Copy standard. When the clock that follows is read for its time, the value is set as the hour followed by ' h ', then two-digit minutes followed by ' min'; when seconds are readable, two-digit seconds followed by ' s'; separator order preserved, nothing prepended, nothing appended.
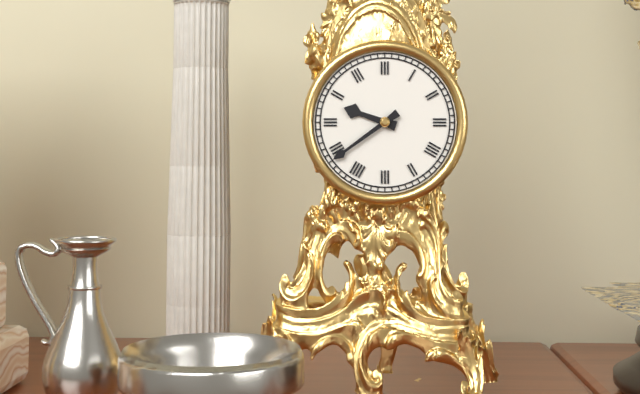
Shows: 9 h 39 min
